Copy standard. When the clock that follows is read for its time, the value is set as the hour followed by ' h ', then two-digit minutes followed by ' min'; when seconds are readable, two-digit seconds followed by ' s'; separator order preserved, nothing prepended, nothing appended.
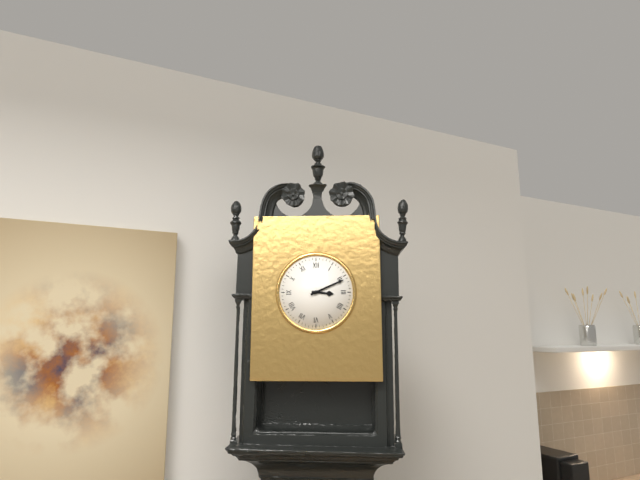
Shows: 3 h 11 min
